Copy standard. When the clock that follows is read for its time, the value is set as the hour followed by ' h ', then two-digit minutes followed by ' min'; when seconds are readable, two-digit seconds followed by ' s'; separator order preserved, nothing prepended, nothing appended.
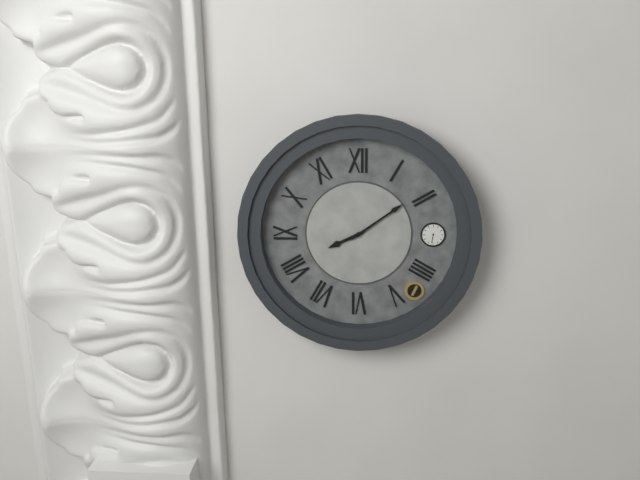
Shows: 8 h 09 min
